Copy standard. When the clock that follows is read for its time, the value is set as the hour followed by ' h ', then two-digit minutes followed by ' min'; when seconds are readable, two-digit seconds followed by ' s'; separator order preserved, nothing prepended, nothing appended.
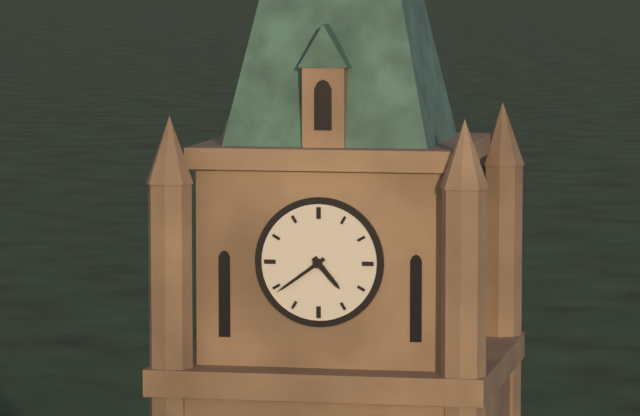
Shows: 4 h 39 min
